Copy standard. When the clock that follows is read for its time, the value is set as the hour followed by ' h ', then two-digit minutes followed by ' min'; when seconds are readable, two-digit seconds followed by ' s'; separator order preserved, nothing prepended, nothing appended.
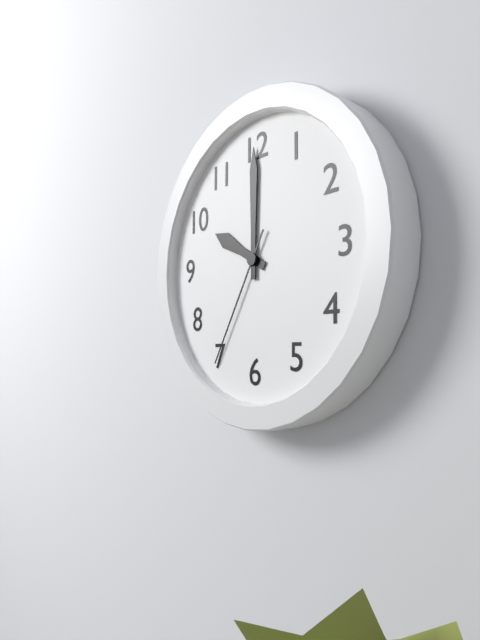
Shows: 10 h 00 min 35 s
